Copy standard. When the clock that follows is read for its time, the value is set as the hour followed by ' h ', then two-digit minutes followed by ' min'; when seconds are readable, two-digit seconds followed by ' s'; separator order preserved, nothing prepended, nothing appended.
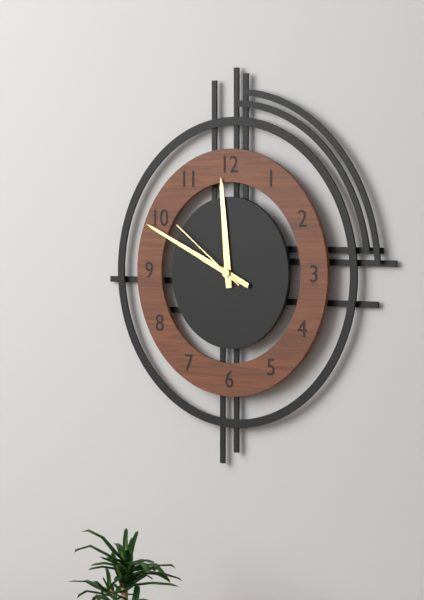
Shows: 11 h 49 min 51 s
